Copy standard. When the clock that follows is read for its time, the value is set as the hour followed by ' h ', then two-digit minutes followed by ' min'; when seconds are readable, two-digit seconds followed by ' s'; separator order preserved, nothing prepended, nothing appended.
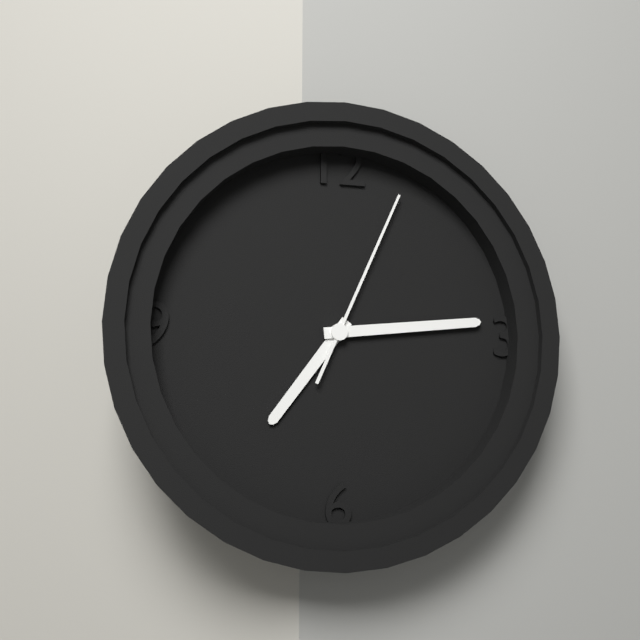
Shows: 7 h 14 min 04 s
